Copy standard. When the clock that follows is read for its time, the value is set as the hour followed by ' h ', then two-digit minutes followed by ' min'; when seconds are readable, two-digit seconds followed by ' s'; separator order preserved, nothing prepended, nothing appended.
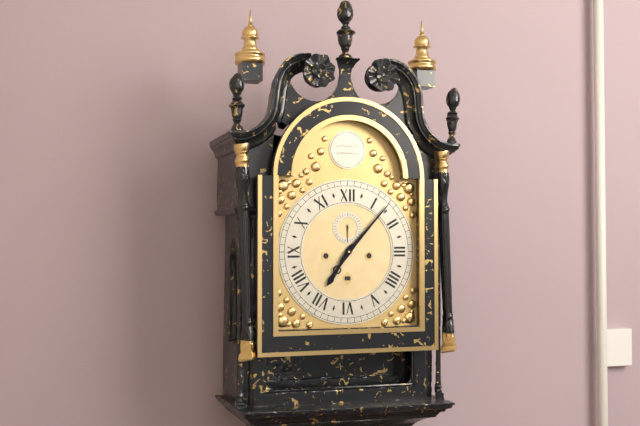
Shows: 7 h 07 min
